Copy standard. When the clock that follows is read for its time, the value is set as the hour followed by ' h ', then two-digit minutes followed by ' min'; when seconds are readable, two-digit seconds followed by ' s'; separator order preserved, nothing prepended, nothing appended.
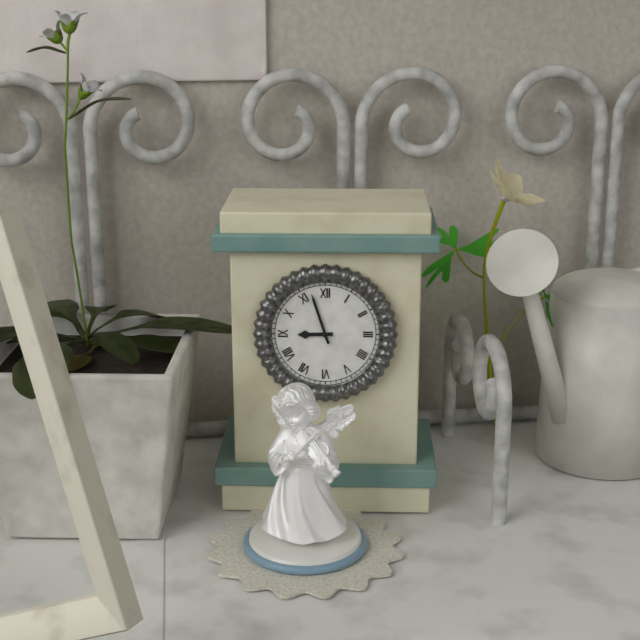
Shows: 8 h 57 min
